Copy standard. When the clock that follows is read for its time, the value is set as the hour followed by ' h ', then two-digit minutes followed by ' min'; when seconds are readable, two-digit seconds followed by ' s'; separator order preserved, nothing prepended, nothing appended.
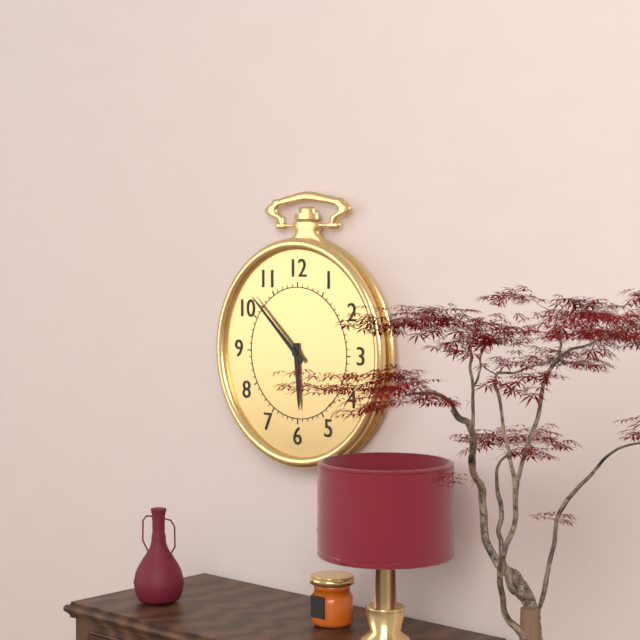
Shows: 5 h 52 min
